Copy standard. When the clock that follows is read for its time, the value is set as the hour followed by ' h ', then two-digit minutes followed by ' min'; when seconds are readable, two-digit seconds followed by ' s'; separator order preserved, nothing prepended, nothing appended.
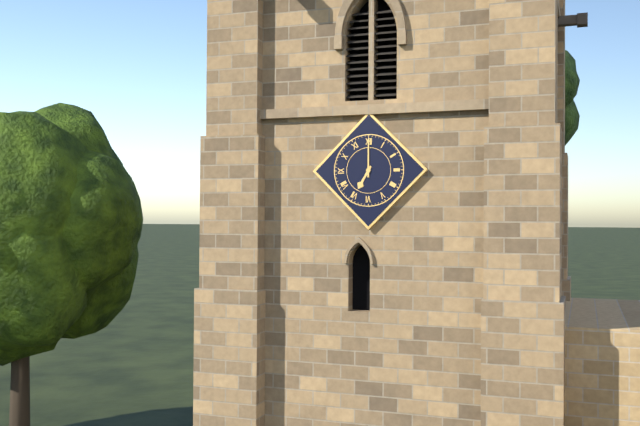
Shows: 7 h 00 min
